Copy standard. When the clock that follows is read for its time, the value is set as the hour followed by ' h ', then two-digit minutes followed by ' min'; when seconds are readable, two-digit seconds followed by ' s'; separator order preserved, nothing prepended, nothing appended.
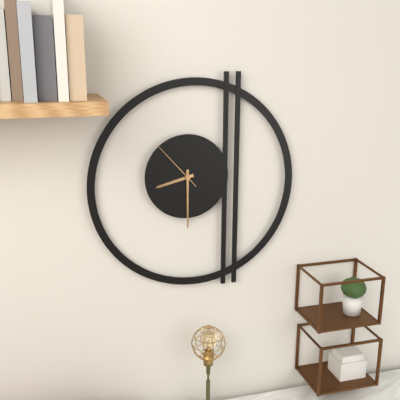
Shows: 8 h 30 min 53 s
